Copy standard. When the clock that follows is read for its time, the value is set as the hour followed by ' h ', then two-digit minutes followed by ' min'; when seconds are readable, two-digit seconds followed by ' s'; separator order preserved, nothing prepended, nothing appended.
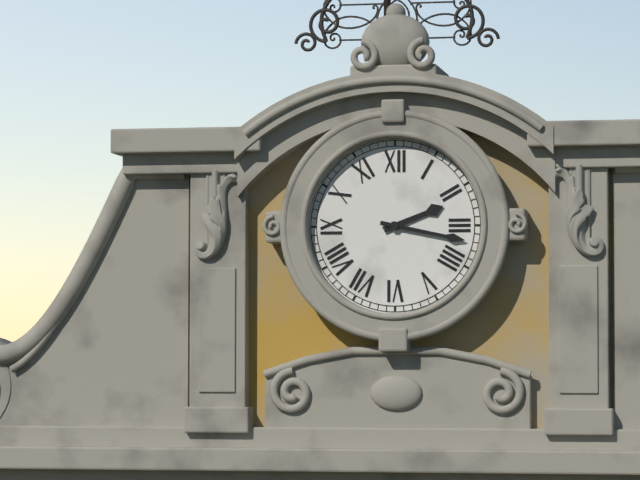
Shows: 2 h 17 min
